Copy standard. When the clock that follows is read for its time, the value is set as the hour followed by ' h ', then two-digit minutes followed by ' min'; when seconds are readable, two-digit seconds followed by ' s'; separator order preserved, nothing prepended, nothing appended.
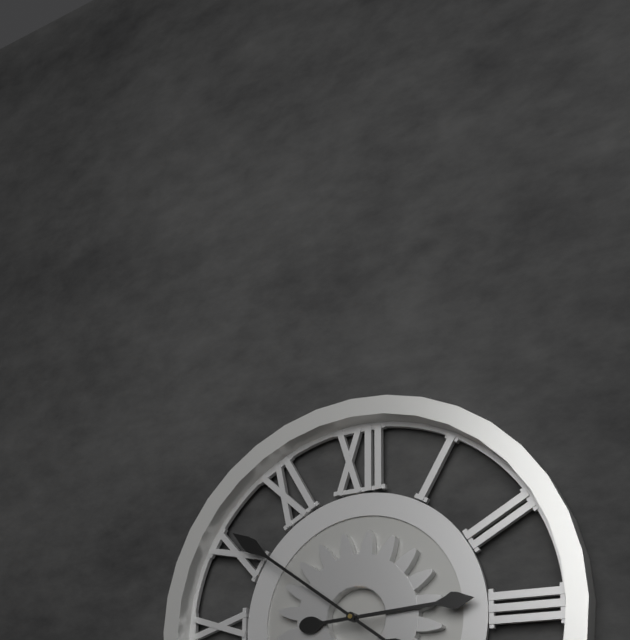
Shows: 2 h 51 min
